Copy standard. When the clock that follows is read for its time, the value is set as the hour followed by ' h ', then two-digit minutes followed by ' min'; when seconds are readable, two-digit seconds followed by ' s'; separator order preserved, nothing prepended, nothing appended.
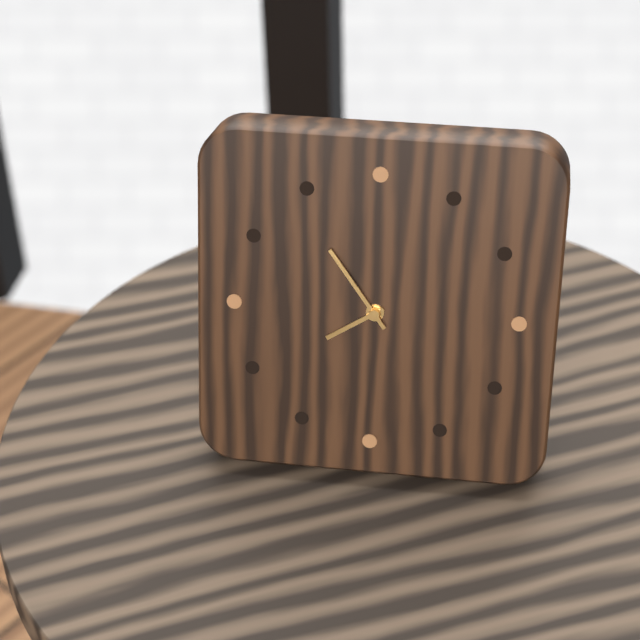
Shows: 7 h 54 min
